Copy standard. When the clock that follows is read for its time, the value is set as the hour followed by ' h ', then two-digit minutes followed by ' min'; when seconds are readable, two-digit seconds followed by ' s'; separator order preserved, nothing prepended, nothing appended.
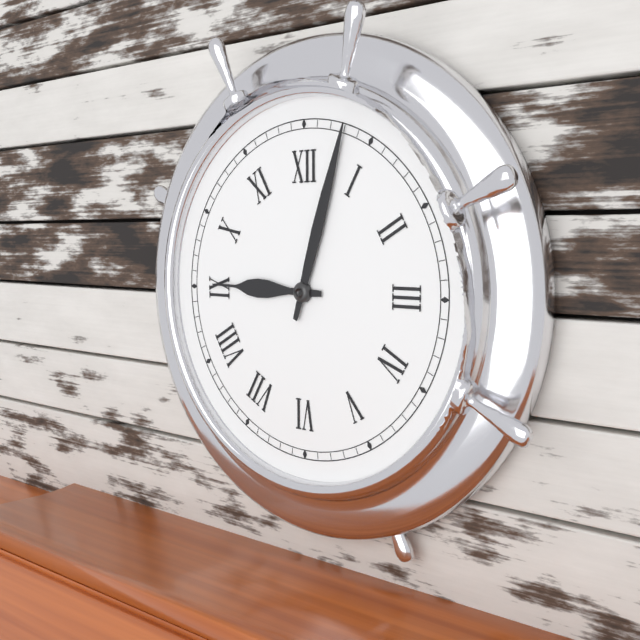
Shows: 9 h 03 min
